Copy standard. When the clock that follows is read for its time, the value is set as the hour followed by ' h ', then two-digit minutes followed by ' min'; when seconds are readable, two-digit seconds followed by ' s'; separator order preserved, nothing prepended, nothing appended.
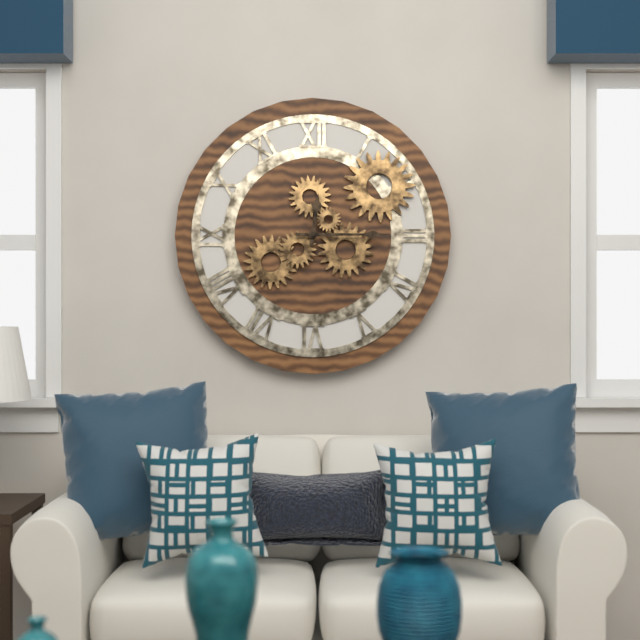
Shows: 12 h 15 min
